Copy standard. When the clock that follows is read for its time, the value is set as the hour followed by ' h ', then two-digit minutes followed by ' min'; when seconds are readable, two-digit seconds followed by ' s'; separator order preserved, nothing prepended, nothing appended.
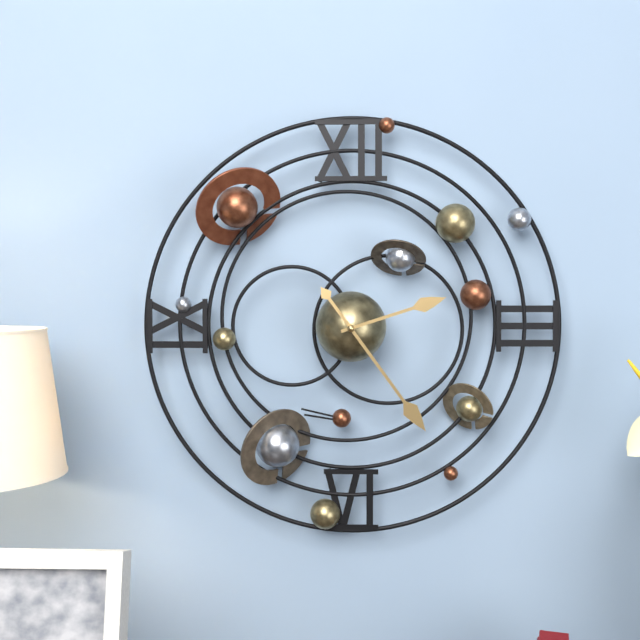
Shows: 2 h 24 min
